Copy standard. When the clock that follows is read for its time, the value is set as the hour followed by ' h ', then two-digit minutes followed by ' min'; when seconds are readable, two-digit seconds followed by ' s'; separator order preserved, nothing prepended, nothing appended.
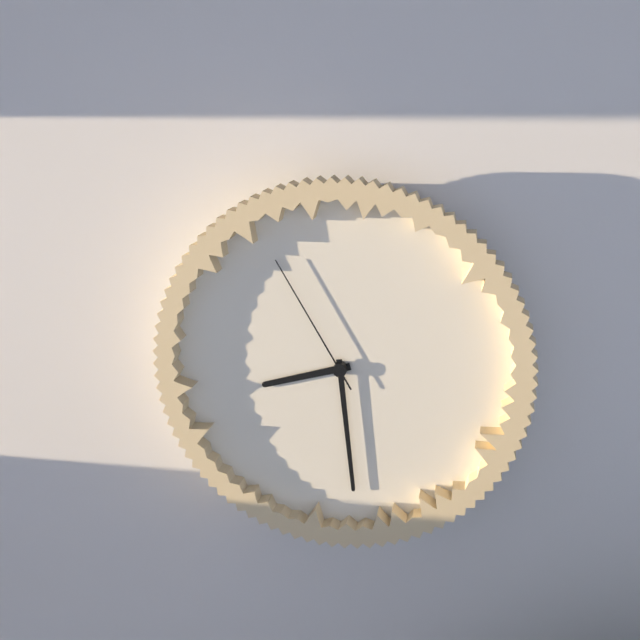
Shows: 8 h 29 min 55 s
